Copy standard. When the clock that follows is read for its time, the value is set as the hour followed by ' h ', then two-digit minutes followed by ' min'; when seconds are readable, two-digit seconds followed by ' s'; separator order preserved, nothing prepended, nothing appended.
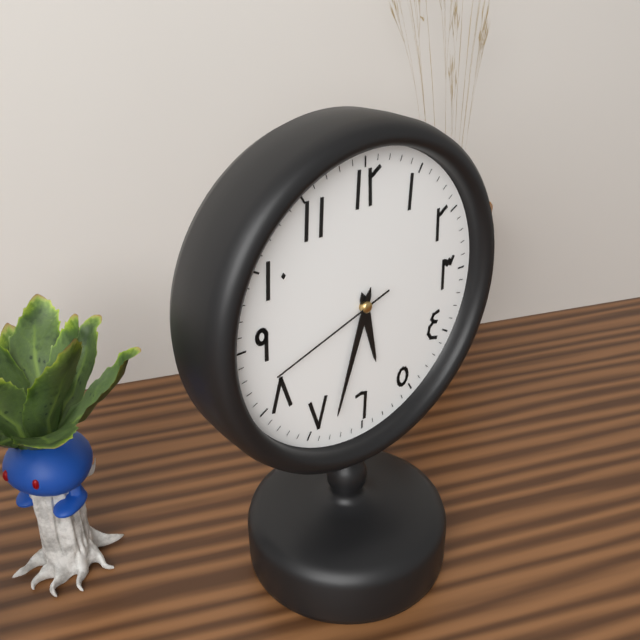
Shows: 5 h 33 min 42 s
